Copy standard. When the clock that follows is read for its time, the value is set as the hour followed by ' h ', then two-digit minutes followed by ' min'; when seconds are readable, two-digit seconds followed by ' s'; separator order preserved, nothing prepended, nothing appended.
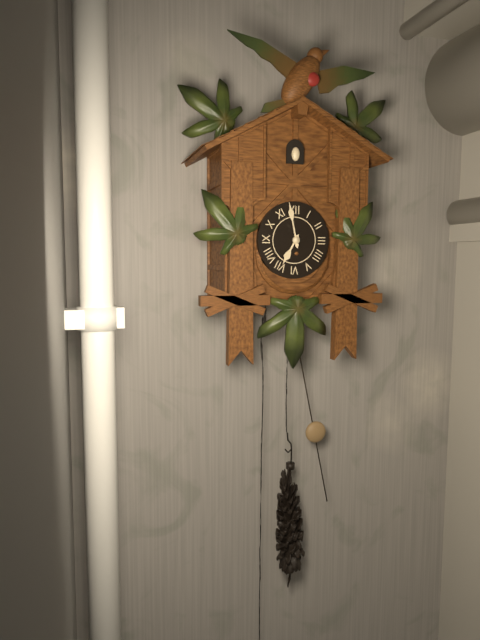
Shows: 6 h 58 min
